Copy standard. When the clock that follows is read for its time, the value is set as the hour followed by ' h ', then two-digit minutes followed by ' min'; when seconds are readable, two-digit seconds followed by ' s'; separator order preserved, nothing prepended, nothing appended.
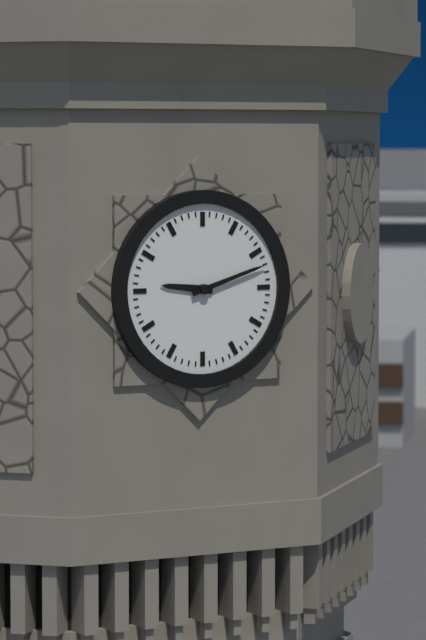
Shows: 9 h 12 min
